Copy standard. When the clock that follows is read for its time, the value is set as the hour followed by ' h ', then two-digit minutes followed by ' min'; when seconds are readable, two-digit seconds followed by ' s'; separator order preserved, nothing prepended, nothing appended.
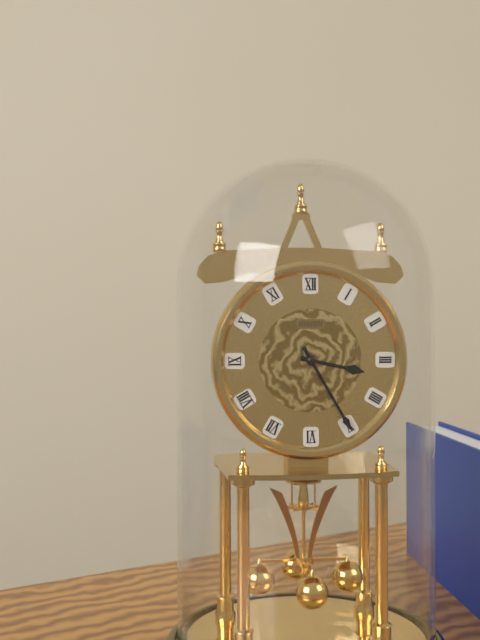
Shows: 3 h 25 min
